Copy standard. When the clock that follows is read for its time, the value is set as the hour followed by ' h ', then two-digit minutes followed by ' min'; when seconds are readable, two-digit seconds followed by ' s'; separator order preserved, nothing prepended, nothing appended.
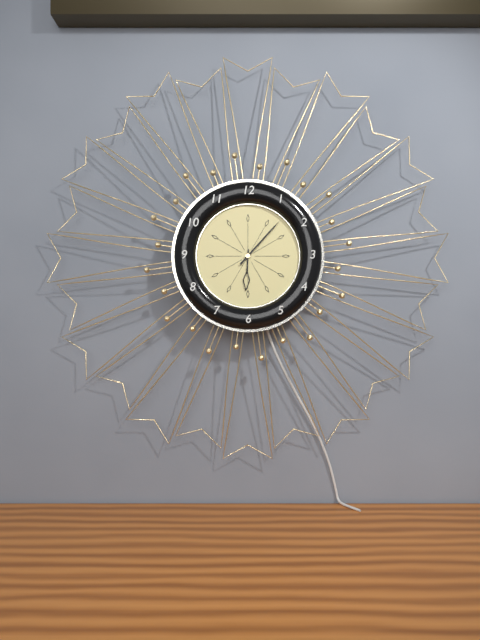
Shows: 6 h 07 min
